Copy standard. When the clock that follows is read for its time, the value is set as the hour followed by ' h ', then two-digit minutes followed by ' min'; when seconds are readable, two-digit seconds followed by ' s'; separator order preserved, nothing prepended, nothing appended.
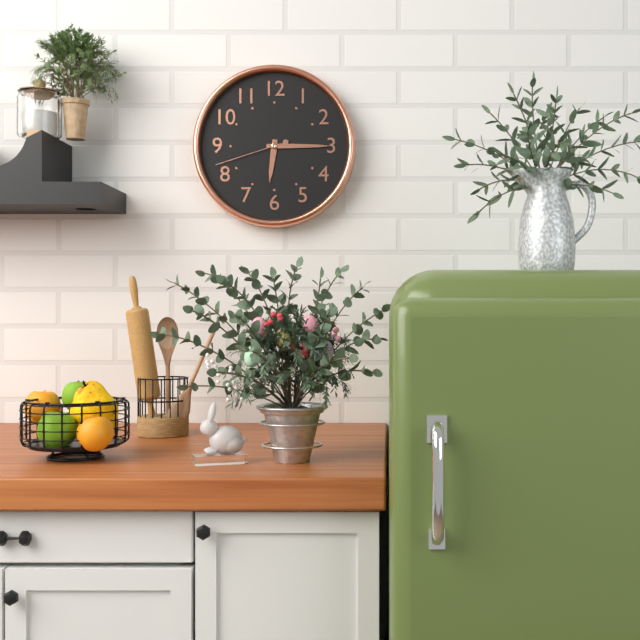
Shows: 6 h 15 min 42 s
